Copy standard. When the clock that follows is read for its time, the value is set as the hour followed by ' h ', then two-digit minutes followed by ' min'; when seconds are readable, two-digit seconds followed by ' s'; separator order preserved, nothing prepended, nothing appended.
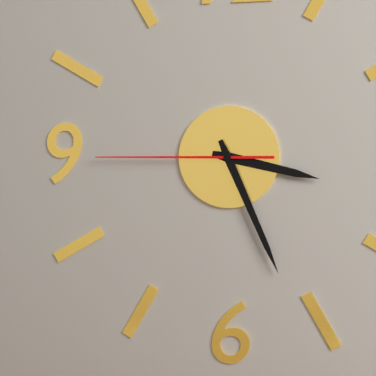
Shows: 3 h 26 min 45 s
